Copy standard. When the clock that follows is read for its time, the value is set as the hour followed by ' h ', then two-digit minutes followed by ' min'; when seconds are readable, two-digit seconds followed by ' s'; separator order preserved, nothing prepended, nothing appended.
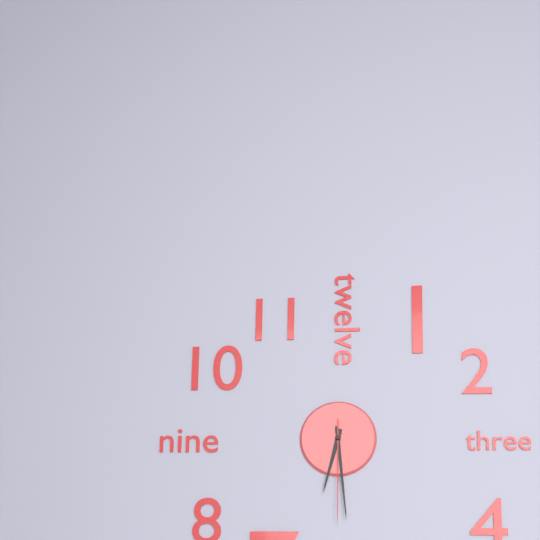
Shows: 6 h 29 min 30 s
